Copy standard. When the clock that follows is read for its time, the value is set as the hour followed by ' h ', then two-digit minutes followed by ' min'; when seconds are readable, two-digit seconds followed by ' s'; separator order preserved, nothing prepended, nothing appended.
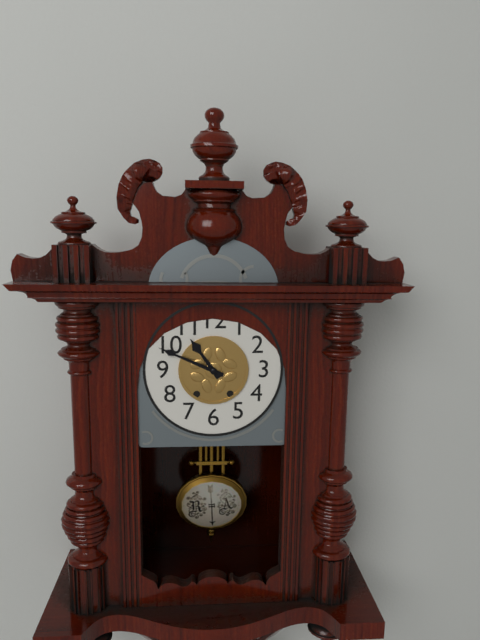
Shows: 10 h 49 min
